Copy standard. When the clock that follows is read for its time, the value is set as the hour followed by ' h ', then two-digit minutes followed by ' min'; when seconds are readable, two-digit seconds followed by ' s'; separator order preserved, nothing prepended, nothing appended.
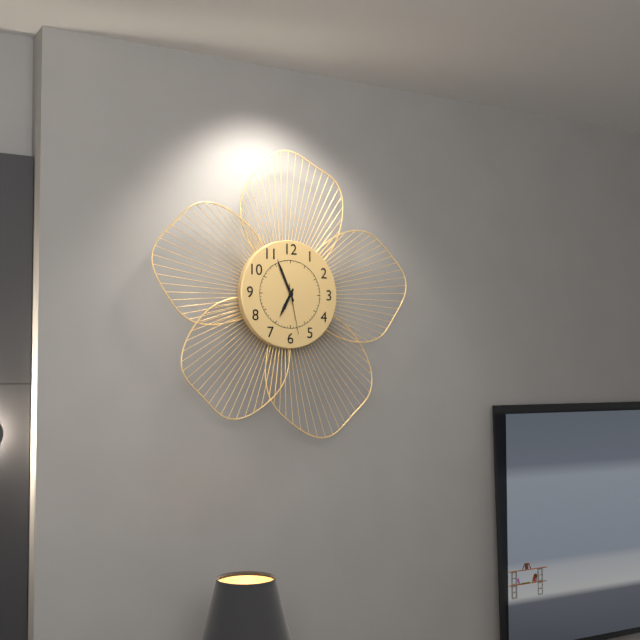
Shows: 6 h 56 min 28 s
